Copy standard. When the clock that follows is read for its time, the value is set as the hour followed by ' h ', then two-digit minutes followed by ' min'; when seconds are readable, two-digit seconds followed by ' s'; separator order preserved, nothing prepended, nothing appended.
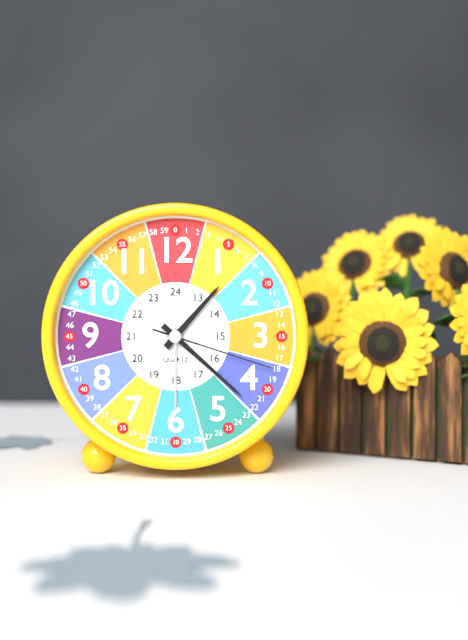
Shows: 1 h 22 min 18 s
